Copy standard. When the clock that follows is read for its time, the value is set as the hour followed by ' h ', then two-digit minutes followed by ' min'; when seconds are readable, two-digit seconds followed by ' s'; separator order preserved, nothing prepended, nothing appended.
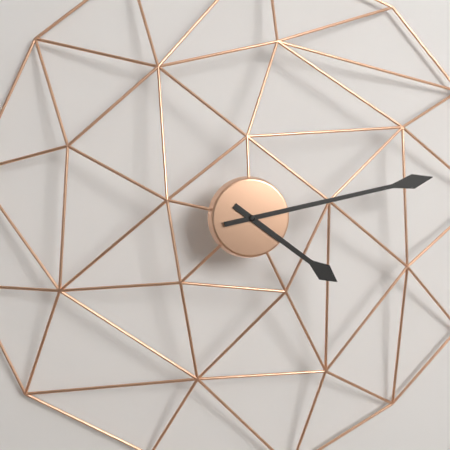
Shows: 4 h 13 min
